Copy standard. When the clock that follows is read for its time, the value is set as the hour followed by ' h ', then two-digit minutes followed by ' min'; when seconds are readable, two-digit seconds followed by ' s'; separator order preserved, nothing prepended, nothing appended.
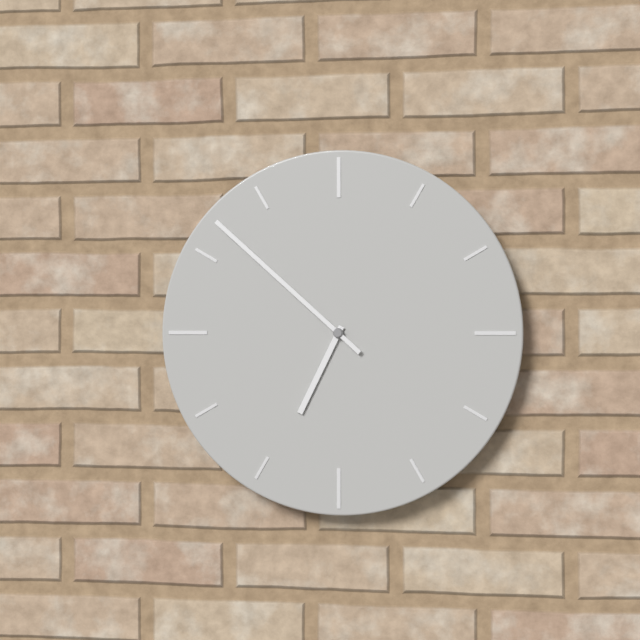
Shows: 6 h 52 min
